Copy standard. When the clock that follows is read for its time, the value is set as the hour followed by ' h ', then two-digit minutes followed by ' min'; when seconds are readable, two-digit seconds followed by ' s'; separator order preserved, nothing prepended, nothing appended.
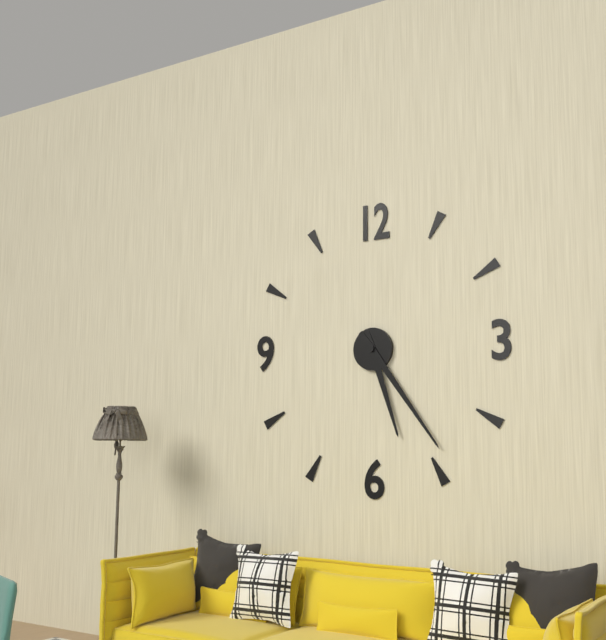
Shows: 5 h 24 min
